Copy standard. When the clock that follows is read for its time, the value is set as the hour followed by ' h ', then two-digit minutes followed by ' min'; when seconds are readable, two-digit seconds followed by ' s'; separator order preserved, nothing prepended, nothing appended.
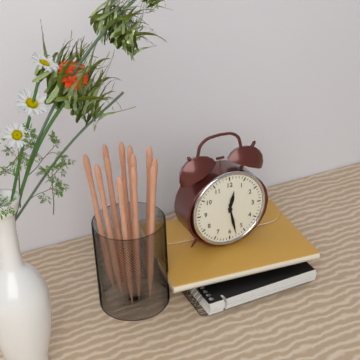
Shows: 12 h 28 min
